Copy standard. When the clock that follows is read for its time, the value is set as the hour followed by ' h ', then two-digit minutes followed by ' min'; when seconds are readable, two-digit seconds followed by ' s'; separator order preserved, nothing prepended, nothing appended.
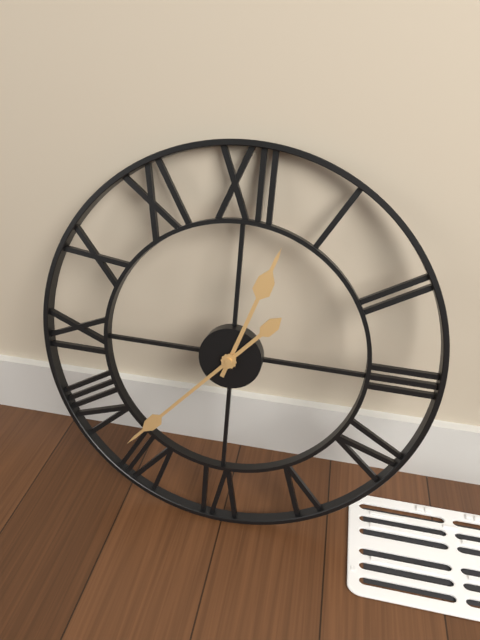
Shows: 12 h 37 min
